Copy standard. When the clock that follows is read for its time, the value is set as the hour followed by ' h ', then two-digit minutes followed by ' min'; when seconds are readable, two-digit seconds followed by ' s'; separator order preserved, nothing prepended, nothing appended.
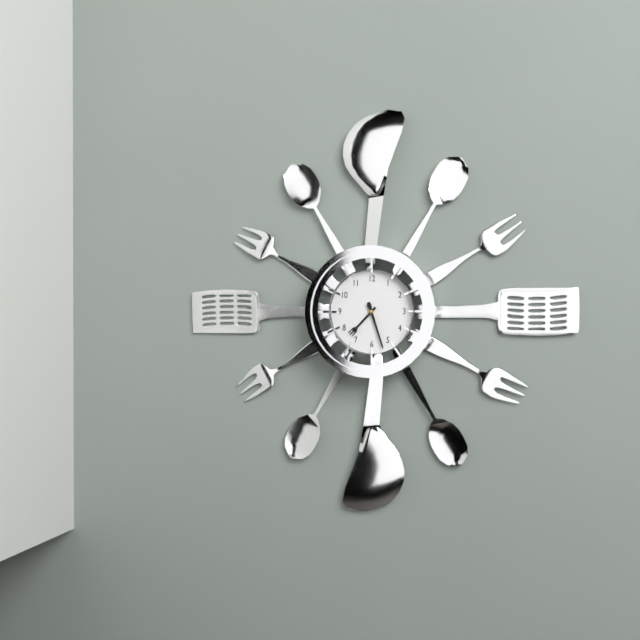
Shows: 7 h 27 min
